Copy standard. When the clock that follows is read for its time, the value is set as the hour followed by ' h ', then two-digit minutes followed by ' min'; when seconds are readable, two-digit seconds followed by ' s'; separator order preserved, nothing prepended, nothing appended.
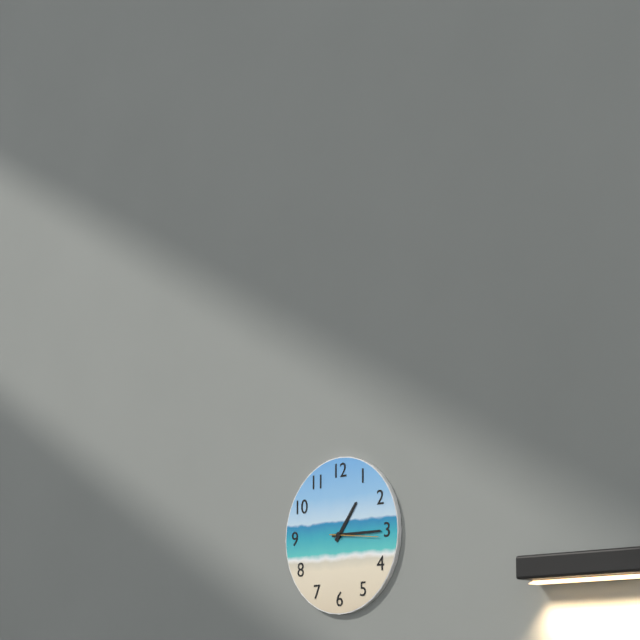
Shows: 1 h 15 min
